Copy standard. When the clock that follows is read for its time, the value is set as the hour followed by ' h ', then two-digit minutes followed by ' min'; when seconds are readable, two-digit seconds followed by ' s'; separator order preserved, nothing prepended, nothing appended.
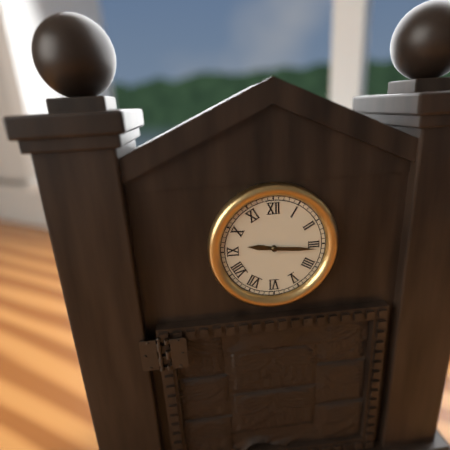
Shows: 9 h 16 min
